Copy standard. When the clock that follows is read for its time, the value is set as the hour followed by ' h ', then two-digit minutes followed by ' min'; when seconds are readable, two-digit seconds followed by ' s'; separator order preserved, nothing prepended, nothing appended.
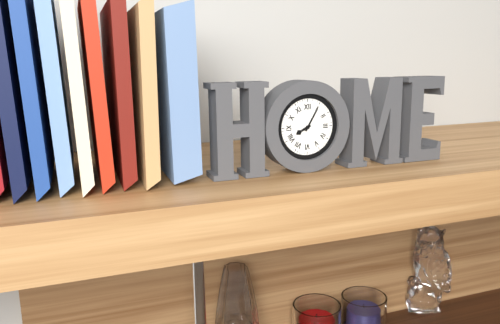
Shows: 8 h 05 min
